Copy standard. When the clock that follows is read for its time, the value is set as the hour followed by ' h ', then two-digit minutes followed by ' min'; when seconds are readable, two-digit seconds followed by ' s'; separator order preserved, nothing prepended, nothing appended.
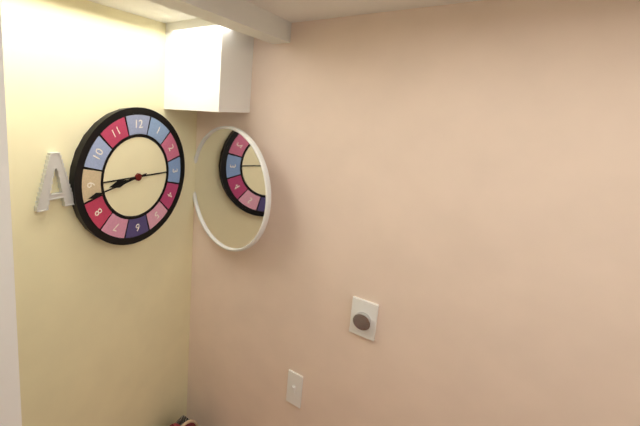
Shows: 8 h 43 min
